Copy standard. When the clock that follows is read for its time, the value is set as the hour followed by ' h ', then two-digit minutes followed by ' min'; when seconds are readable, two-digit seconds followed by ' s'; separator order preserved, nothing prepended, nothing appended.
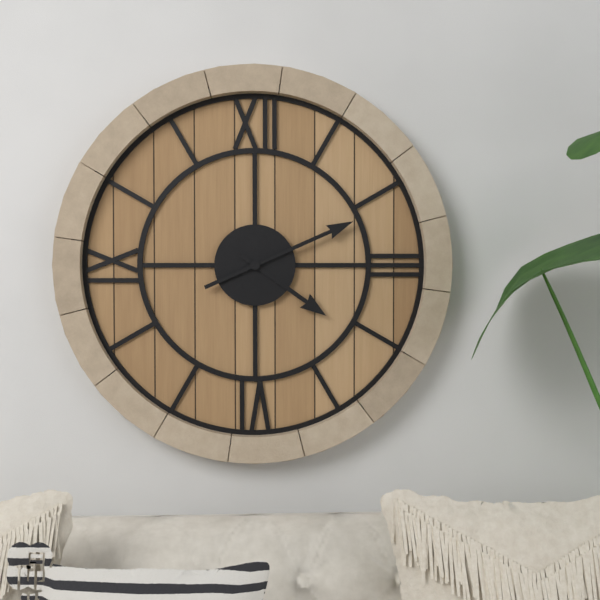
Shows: 4 h 11 min
